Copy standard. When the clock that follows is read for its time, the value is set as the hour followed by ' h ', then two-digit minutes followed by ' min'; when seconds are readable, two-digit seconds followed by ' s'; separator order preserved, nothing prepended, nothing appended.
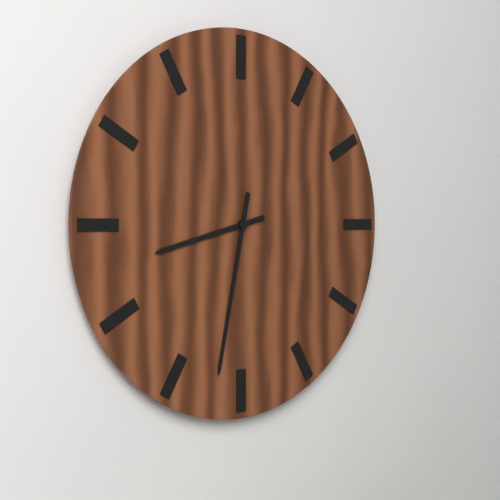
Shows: 8 h 32 min
